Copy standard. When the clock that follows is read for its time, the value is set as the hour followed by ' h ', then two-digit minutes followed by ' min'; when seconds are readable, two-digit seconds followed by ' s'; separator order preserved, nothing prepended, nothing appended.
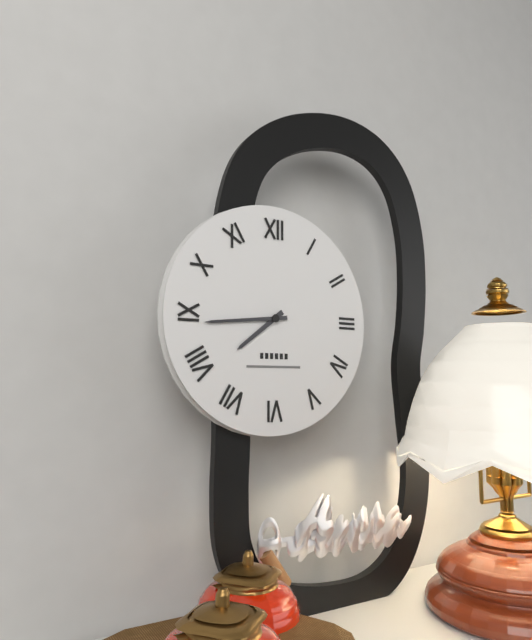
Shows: 7 h 44 min
